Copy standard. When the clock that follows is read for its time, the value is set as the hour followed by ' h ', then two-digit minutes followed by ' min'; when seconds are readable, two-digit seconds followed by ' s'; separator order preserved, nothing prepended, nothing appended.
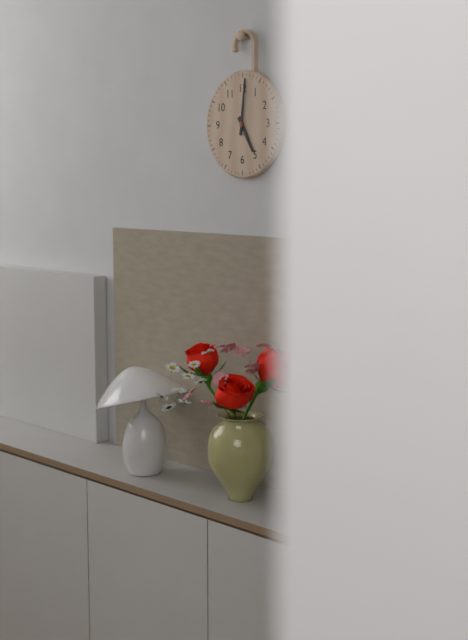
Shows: 5 h 01 min
